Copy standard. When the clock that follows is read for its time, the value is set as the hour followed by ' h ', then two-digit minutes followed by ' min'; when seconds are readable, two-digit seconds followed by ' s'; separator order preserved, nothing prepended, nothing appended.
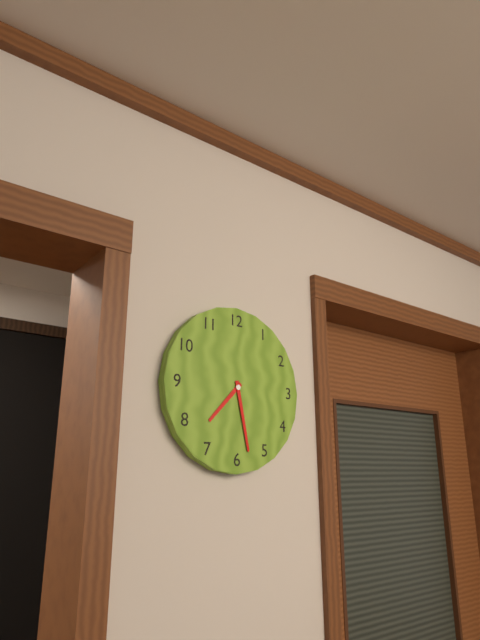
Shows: 7 h 28 min
